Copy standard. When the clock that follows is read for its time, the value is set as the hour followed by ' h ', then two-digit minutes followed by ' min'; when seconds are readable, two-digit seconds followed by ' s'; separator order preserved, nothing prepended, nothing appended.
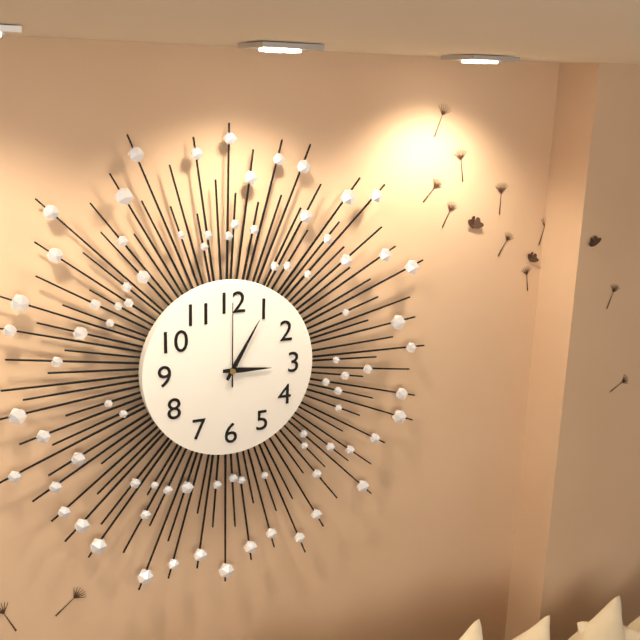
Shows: 3 h 05 min 00 s
